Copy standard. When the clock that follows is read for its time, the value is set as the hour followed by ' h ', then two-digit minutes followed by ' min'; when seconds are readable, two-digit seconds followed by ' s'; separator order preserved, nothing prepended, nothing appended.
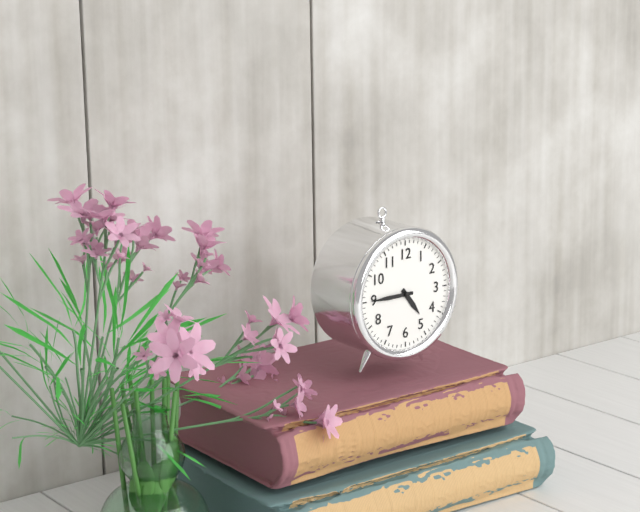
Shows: 4 h 45 min
